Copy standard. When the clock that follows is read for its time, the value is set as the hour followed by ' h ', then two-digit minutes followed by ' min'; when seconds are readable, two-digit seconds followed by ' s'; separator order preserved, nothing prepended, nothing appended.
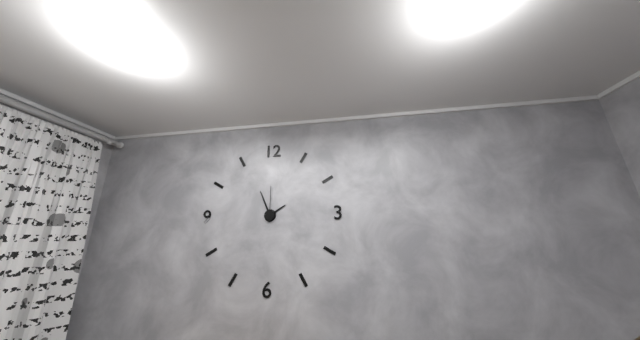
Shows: 1 h 56 min
